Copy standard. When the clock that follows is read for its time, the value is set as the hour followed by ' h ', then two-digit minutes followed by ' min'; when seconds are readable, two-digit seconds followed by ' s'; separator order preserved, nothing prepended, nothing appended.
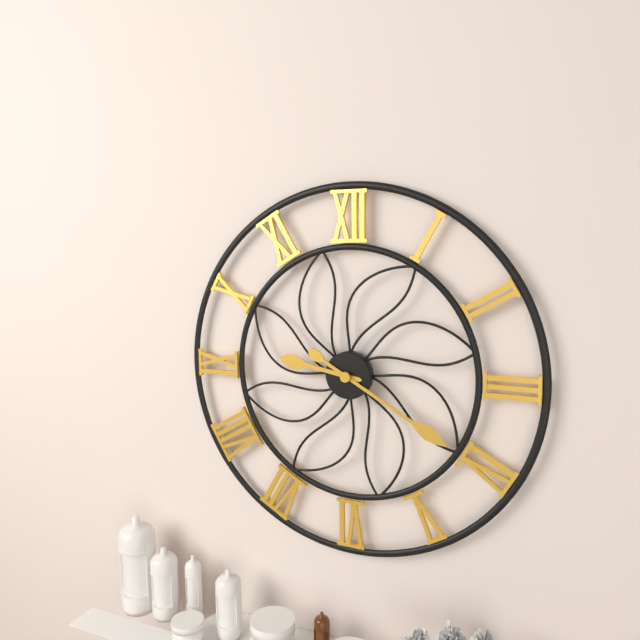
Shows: 9 h 20 min
